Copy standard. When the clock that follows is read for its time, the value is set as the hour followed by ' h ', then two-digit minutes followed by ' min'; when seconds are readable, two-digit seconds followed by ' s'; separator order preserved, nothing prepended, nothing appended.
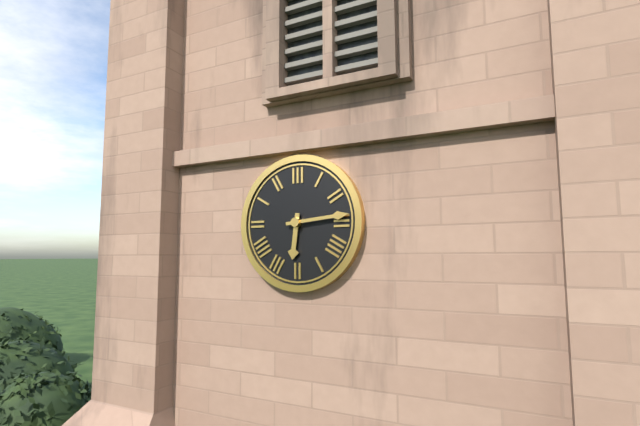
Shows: 6 h 14 min
